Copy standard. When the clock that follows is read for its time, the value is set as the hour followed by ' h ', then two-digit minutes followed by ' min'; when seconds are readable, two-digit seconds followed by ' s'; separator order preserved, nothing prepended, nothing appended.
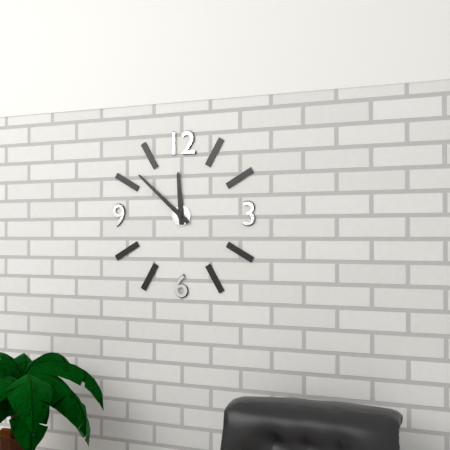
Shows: 11 h 52 min
